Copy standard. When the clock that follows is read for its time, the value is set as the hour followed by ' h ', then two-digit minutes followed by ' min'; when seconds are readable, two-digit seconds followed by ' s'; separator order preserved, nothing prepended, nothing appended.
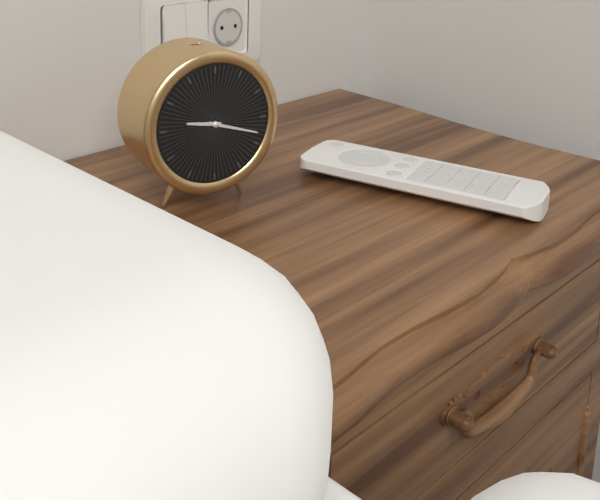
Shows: 9 h 18 min
